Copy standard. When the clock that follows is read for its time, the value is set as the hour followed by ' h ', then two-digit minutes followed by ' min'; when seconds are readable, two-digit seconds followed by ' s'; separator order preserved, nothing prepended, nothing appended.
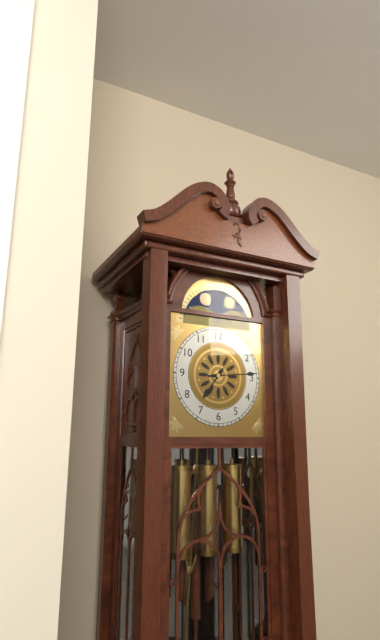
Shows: 7 h 14 min
